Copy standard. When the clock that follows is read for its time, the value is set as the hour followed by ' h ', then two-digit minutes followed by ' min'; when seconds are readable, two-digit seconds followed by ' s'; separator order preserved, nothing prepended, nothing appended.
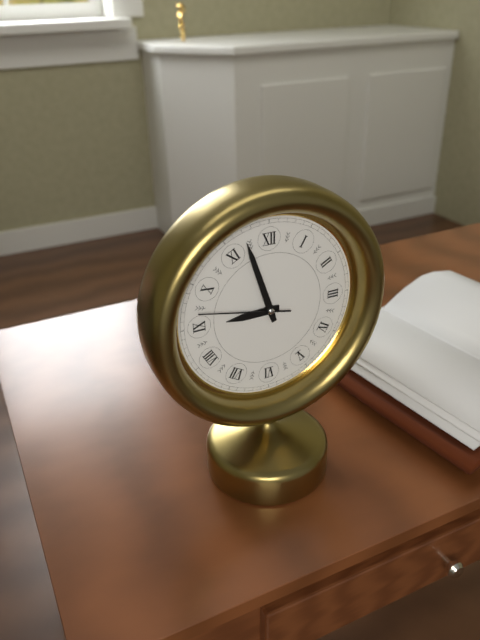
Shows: 8 h 57 min 47 s
